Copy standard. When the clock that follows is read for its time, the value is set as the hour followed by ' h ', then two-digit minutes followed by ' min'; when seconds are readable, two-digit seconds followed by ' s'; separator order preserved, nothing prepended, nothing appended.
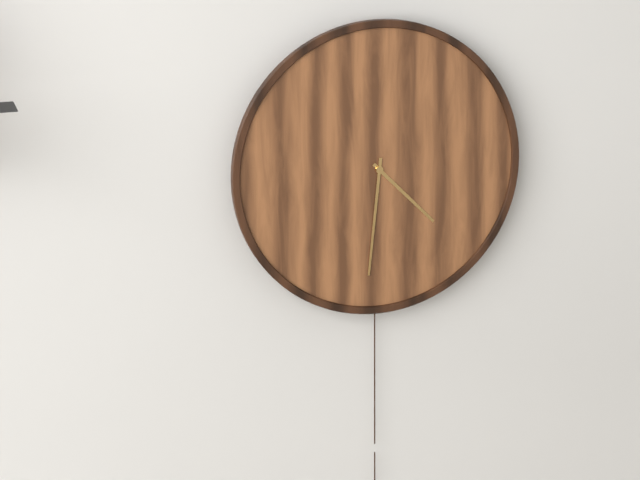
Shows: 4 h 31 min
